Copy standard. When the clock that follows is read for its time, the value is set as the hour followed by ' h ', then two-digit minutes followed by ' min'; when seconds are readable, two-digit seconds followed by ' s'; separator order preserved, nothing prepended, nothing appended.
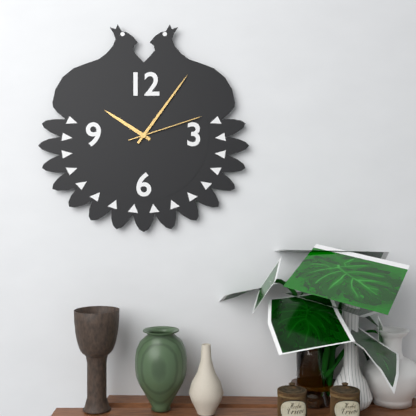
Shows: 10 h 06 min 12 s
